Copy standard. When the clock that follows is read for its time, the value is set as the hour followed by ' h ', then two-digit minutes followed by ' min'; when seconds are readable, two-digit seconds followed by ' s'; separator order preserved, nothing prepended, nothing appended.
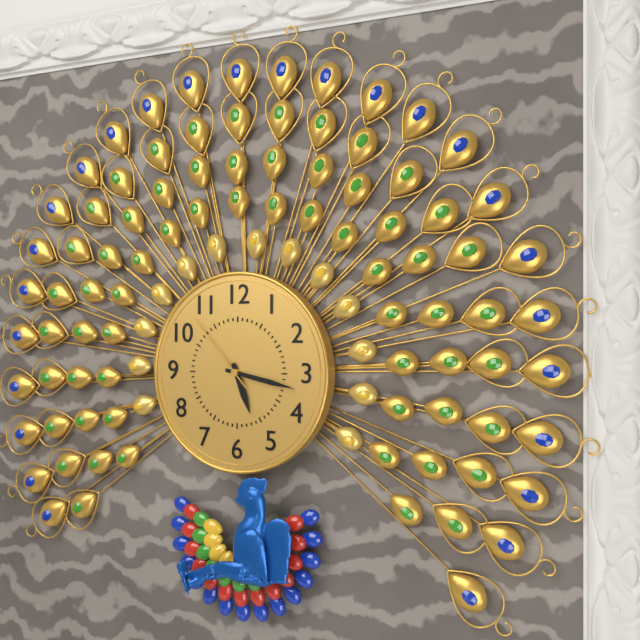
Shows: 5 h 17 min 53 s
